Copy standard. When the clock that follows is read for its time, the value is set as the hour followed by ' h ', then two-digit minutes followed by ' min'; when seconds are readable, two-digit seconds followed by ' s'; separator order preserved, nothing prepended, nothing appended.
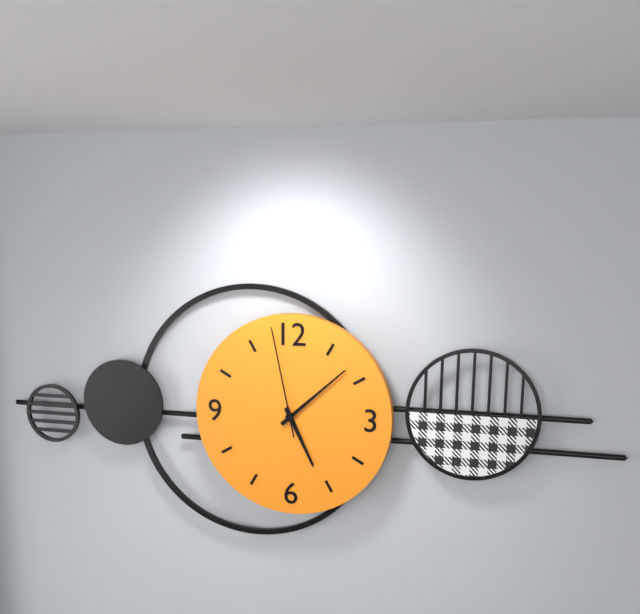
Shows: 5 h 08 min 58 s
